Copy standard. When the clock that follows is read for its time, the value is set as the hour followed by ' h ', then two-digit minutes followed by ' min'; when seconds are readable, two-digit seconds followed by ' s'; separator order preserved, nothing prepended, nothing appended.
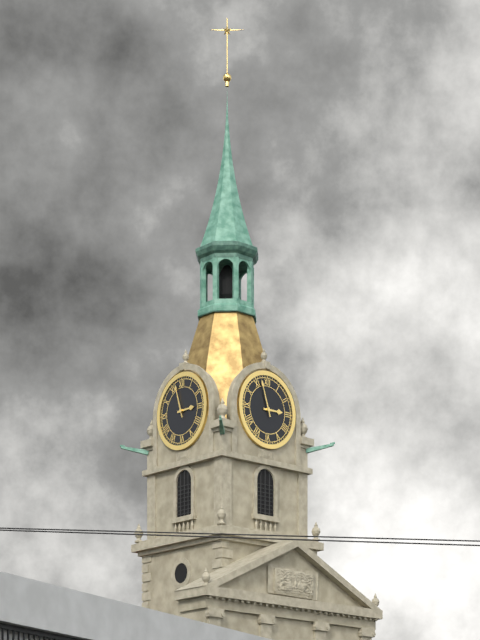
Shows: 2 h 57 min
